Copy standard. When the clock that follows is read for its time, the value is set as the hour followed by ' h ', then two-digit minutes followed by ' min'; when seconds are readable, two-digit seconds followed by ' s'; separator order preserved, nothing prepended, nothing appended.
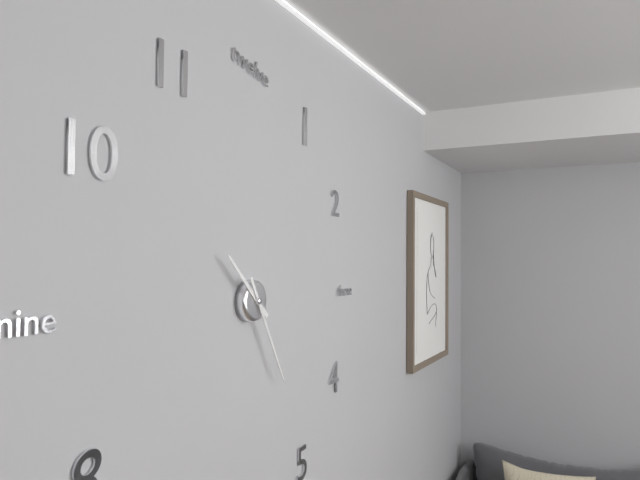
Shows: 10 h 25 min
